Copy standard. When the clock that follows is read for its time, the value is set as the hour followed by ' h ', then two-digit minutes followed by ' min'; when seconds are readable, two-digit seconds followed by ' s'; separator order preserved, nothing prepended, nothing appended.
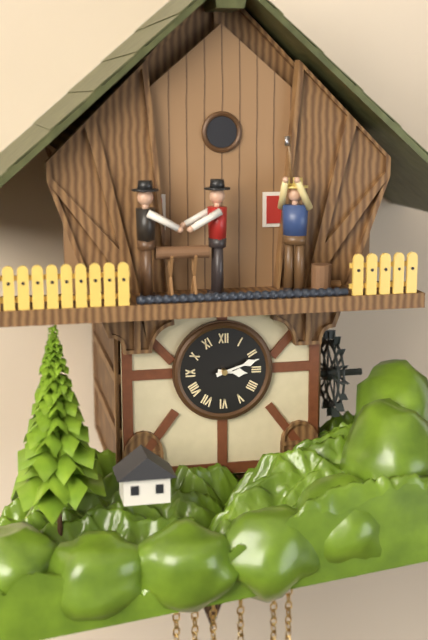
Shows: 3 h 12 min
